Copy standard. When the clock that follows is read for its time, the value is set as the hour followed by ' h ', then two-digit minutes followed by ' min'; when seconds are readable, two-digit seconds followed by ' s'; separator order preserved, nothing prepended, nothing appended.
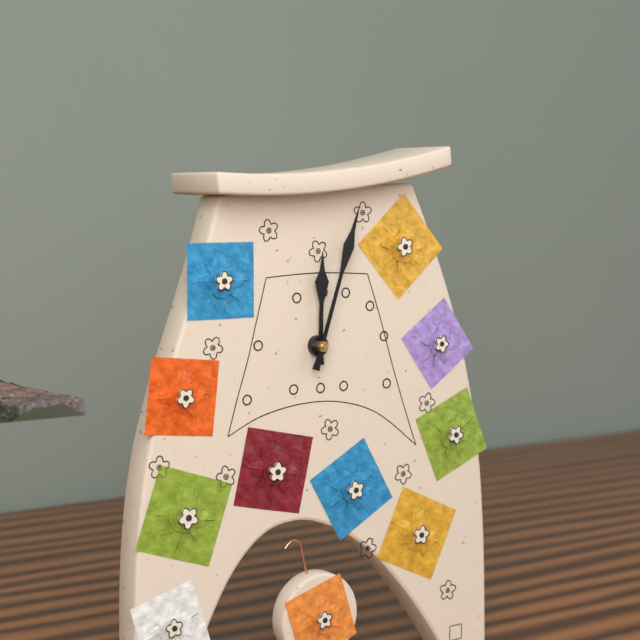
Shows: 12 h 03 min
